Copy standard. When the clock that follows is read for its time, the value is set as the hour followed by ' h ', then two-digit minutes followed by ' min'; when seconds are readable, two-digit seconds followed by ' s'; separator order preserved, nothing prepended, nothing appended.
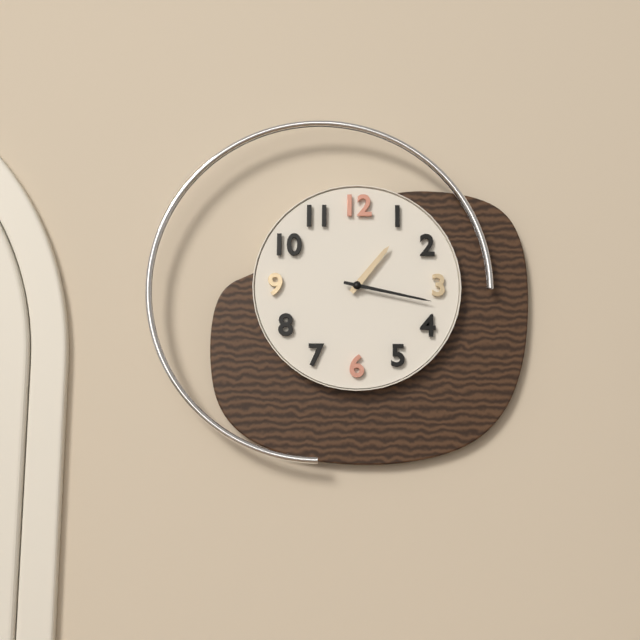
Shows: 1 h 17 min
